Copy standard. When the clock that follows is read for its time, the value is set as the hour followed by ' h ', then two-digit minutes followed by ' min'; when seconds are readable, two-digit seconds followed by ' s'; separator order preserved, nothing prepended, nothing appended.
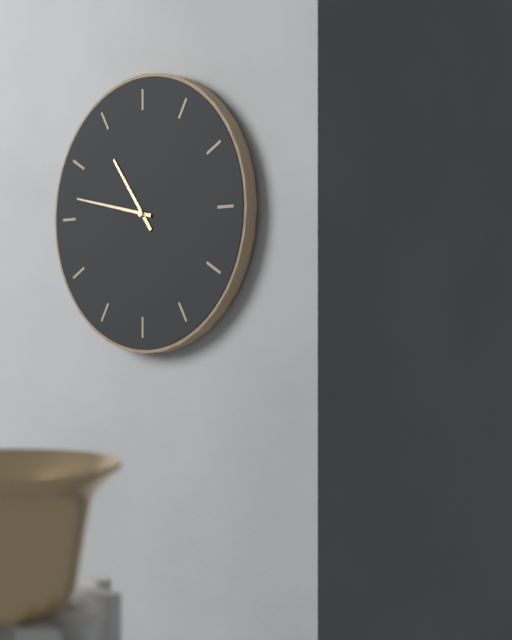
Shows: 10 h 47 min
